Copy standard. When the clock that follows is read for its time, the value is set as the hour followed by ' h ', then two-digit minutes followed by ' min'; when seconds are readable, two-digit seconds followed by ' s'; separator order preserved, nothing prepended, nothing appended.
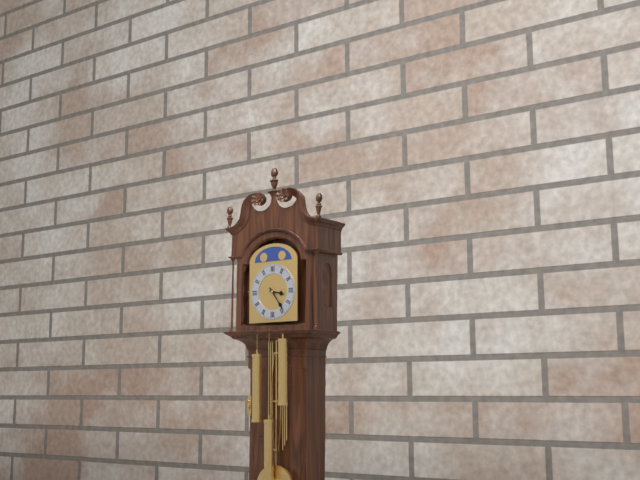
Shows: 3 h 24 min
